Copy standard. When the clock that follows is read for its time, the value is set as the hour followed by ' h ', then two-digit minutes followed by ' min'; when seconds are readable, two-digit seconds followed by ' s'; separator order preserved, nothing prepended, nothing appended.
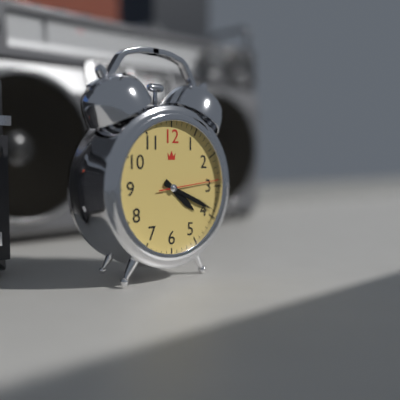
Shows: 4 h 19 min 14 s
